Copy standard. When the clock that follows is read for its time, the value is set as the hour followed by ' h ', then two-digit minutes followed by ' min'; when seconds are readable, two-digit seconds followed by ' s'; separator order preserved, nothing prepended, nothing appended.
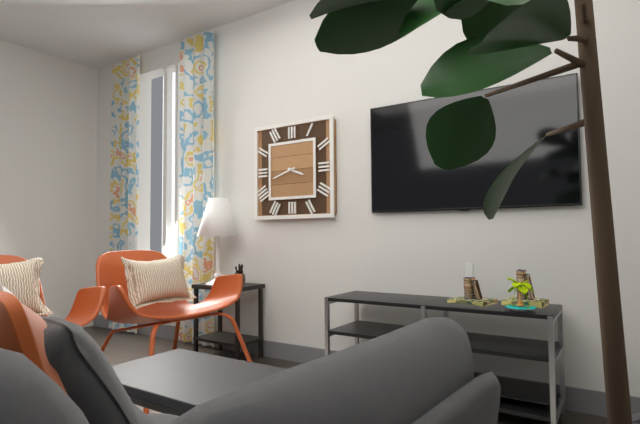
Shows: 3 h 42 min
